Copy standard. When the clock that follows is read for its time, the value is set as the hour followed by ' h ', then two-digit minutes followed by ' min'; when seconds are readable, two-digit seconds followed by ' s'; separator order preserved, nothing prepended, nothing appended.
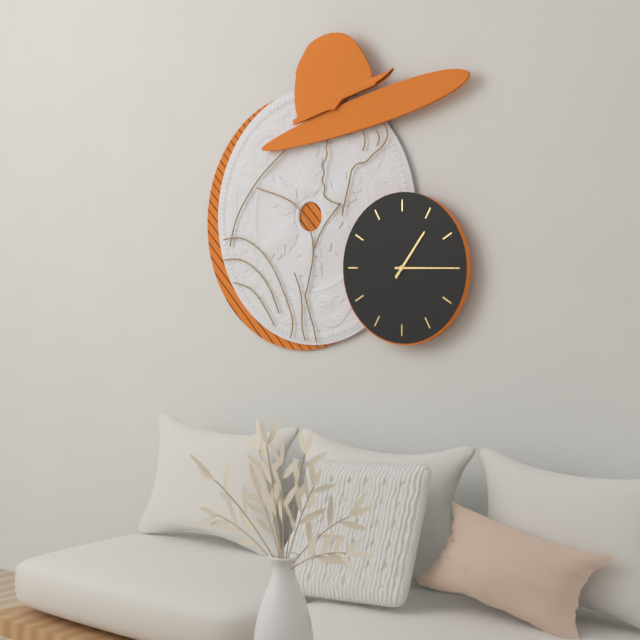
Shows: 1 h 15 min
